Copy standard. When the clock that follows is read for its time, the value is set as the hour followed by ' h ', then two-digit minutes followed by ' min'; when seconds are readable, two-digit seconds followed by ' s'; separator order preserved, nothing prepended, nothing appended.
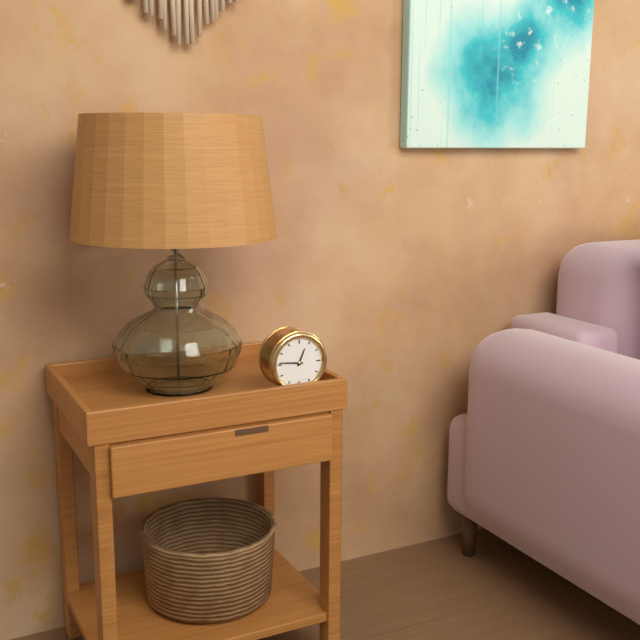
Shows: 12 h 46 min
